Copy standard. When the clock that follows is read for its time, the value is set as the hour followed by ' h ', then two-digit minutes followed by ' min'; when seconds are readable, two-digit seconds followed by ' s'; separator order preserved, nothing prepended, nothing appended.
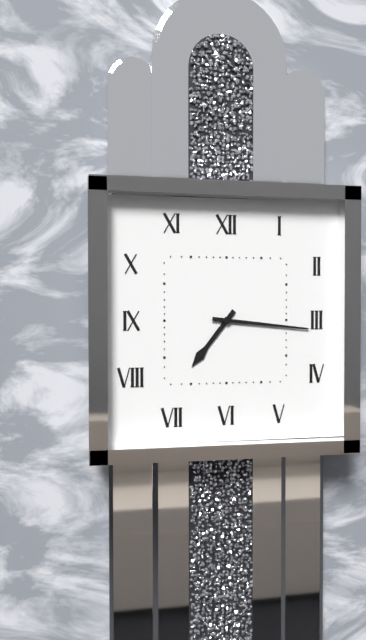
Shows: 7 h 16 min
